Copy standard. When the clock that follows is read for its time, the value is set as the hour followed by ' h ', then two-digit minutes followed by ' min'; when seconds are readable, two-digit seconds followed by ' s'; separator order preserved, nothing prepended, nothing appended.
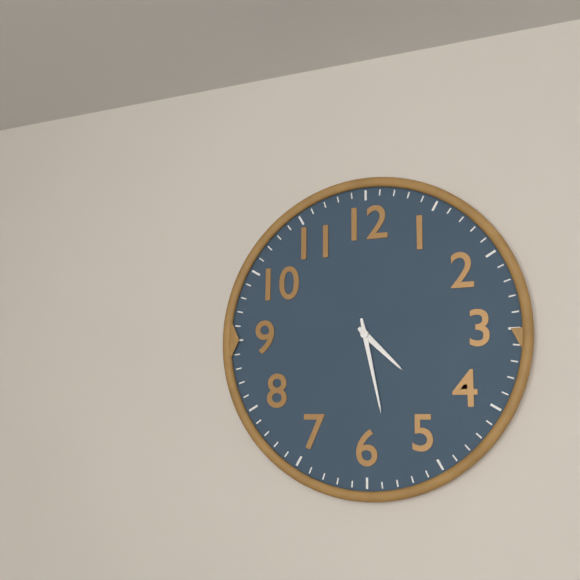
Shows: 4 h 28 min
